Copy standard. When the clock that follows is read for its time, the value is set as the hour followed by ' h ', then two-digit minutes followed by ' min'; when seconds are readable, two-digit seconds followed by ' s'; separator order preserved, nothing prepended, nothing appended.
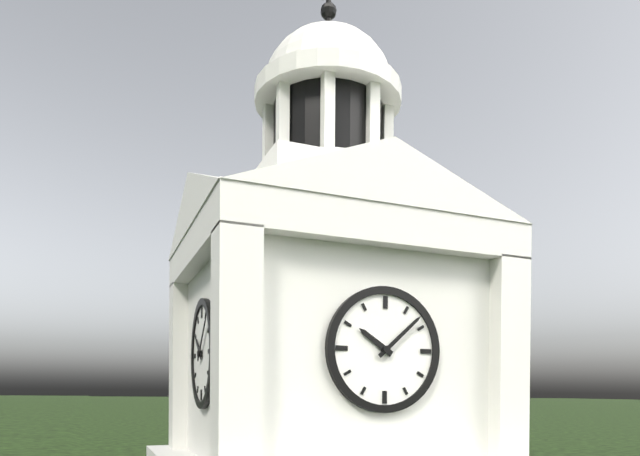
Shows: 10 h 08 min
